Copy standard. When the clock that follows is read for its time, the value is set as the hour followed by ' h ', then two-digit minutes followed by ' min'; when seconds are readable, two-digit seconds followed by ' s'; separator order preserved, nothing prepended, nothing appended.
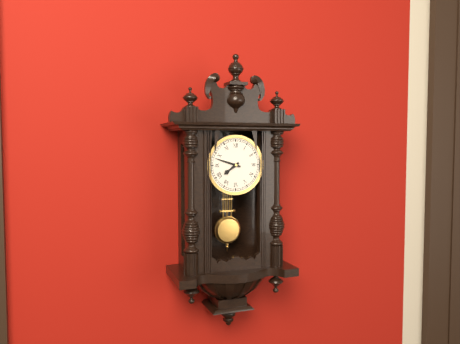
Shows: 7 h 48 min
